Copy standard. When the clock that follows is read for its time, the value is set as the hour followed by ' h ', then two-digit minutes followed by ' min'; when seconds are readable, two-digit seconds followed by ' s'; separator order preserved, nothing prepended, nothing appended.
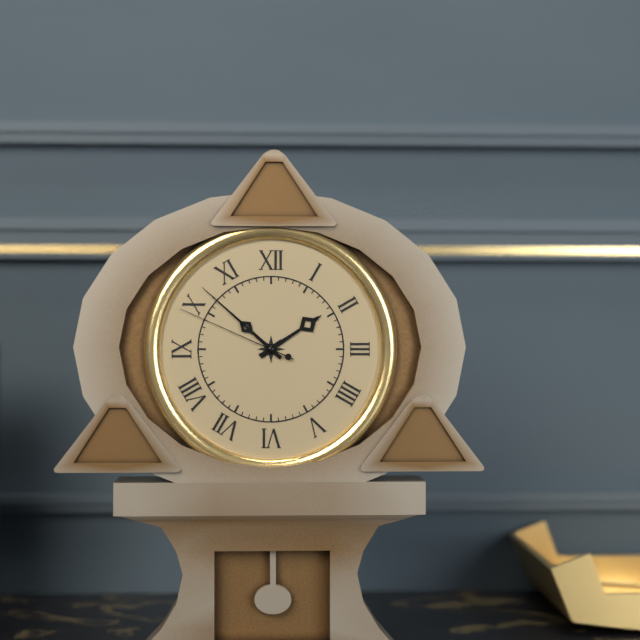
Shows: 1 h 52 min 49 s
